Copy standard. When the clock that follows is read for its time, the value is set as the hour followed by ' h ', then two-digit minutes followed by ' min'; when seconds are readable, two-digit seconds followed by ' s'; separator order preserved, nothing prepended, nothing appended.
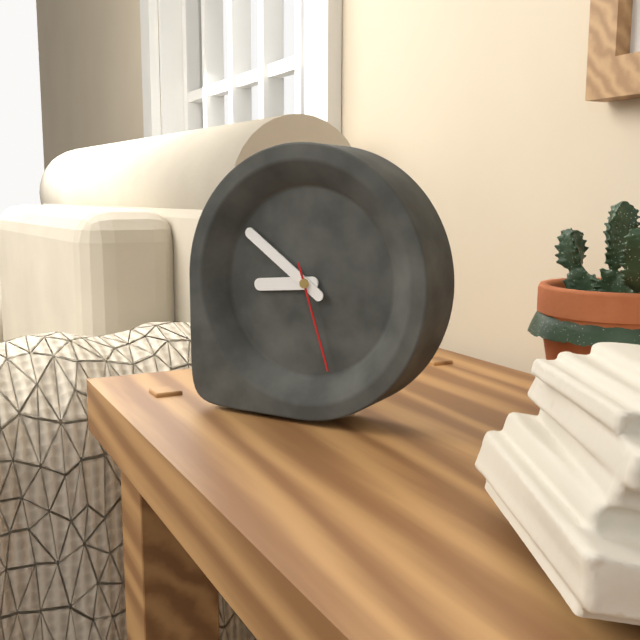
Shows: 8 h 51 min 27 s
